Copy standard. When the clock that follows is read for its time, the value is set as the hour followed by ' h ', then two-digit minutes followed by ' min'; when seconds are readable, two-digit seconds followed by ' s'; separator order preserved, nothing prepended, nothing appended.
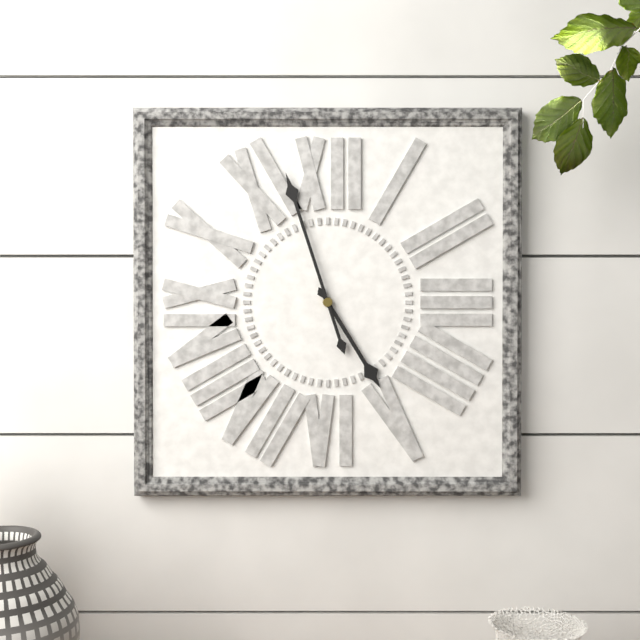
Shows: 4 h 57 min
